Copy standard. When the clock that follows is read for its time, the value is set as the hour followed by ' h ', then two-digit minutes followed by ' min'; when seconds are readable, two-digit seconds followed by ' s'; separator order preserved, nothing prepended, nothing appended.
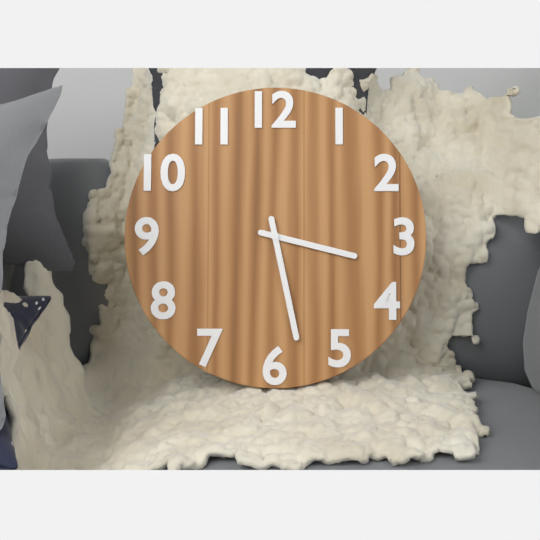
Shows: 3 h 28 min
